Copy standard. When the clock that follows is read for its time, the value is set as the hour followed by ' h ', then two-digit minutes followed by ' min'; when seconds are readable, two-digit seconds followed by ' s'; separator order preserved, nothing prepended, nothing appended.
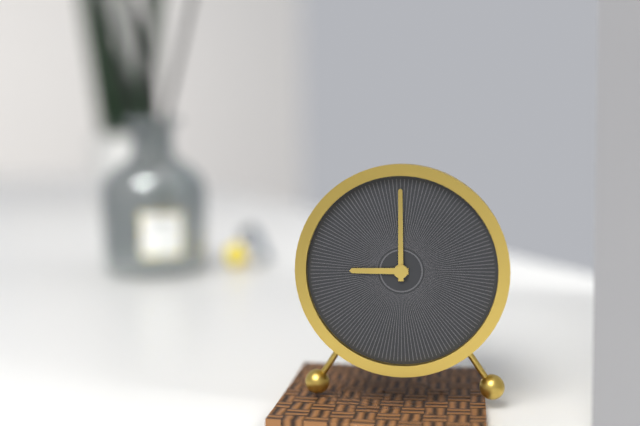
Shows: 9 h 00 min
